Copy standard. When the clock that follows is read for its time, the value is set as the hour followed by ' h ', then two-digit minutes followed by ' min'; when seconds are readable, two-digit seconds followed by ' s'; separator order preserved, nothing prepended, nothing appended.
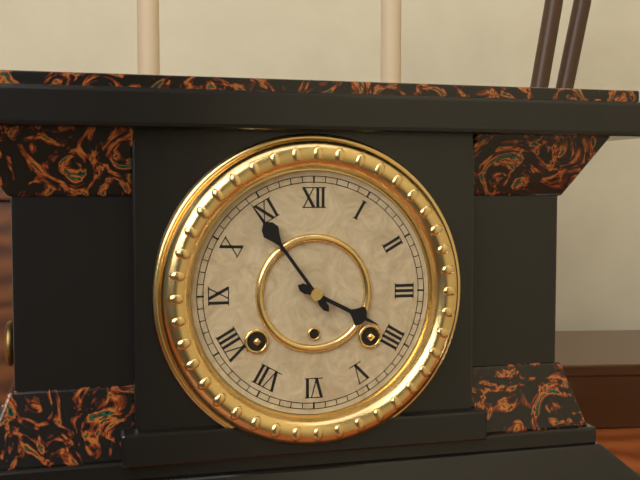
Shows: 3 h 54 min
